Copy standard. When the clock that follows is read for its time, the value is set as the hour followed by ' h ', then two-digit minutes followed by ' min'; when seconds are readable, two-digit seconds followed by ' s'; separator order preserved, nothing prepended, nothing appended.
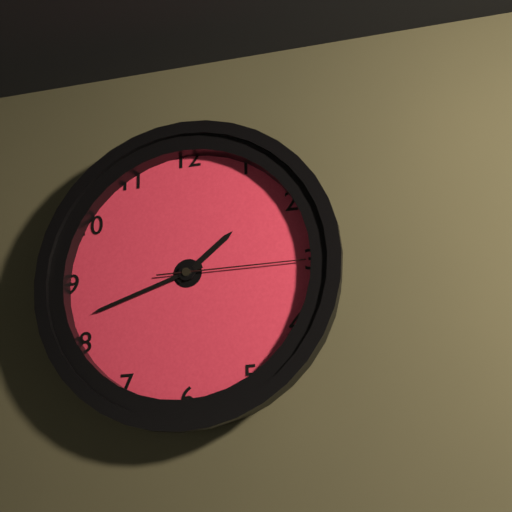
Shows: 1 h 42 min 15 s
